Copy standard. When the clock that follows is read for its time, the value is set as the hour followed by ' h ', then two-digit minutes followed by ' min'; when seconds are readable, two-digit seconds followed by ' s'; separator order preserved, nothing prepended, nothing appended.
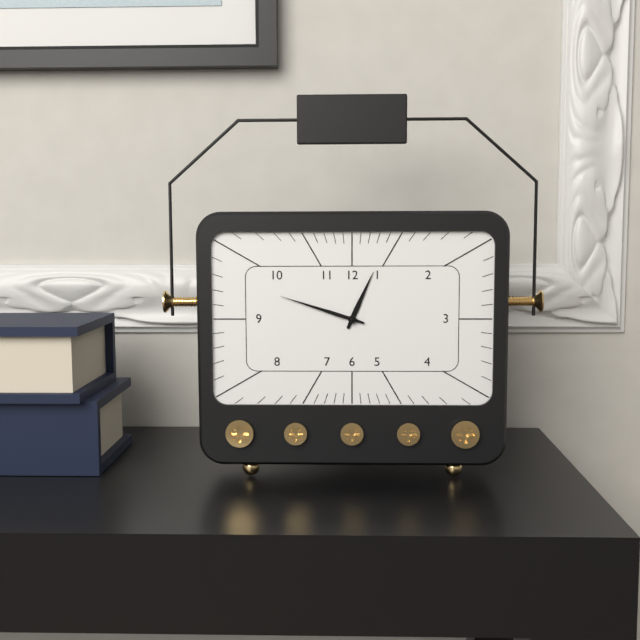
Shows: 12 h 48 min
